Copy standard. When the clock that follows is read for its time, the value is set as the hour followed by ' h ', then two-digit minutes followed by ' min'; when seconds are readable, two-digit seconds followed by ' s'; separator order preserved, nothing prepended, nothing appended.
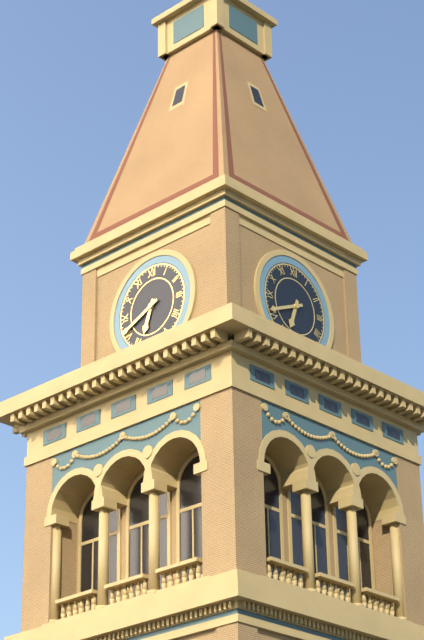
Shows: 6 h 41 min
